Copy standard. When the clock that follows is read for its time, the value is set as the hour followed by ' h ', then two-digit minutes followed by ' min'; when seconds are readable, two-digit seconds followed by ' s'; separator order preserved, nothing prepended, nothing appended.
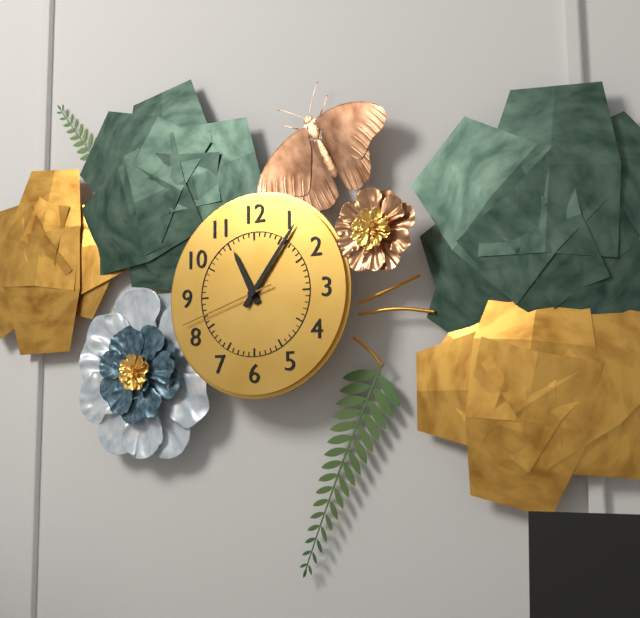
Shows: 11 h 06 min 42 s
